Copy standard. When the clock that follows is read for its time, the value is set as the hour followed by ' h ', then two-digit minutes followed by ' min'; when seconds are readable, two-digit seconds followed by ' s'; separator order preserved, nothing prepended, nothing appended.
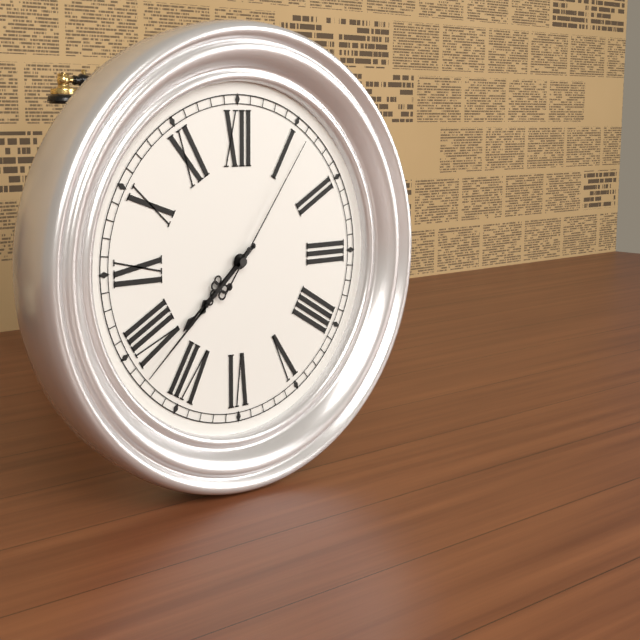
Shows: 7 h 38 min 06 s
